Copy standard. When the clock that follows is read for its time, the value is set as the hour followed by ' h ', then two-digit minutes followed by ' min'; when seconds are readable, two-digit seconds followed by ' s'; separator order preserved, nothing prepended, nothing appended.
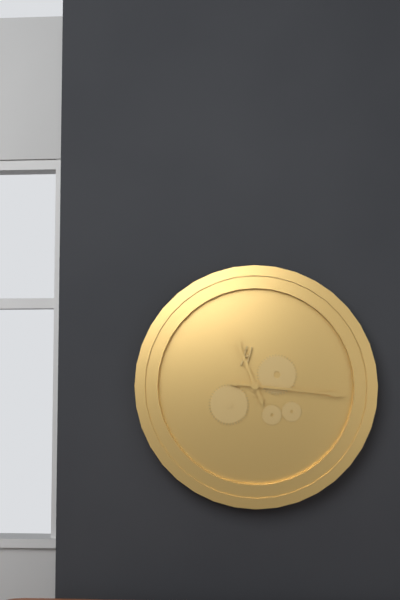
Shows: 11 h 16 min
